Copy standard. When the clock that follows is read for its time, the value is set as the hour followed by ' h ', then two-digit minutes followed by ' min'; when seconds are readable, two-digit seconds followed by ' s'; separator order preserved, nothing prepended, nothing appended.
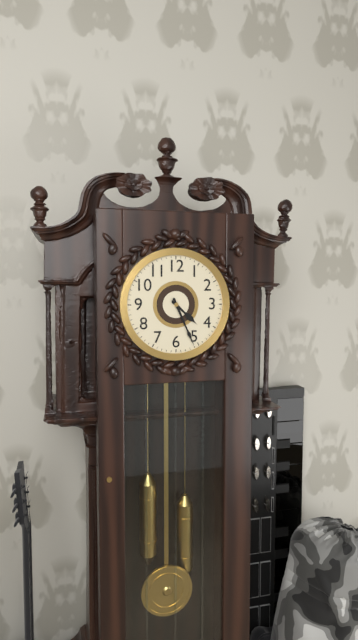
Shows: 4 h 26 min
